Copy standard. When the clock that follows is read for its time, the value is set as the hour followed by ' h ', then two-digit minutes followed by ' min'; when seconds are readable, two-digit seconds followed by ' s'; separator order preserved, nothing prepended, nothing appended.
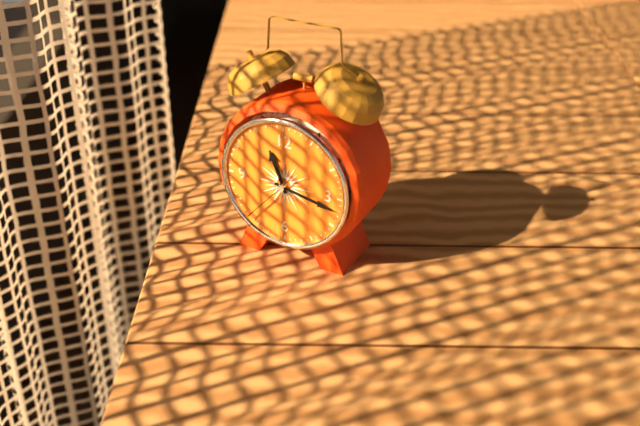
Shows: 11 h 17 min 37 s
